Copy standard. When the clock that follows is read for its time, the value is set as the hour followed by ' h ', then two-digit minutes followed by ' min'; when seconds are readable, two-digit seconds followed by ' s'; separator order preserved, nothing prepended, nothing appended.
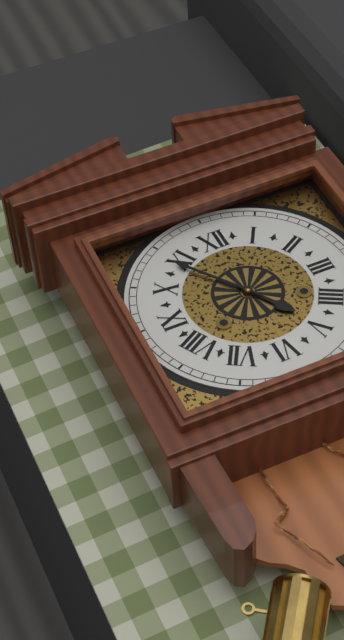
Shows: 4 h 54 min
